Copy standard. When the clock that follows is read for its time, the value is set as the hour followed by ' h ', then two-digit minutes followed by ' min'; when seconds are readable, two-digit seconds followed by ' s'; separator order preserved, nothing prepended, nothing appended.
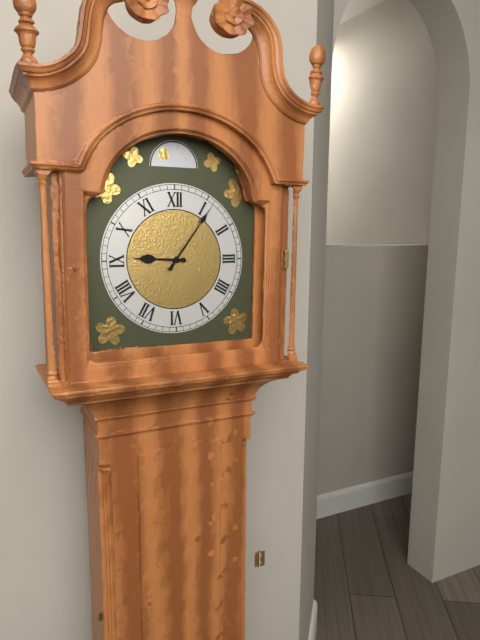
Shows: 9 h 06 min
